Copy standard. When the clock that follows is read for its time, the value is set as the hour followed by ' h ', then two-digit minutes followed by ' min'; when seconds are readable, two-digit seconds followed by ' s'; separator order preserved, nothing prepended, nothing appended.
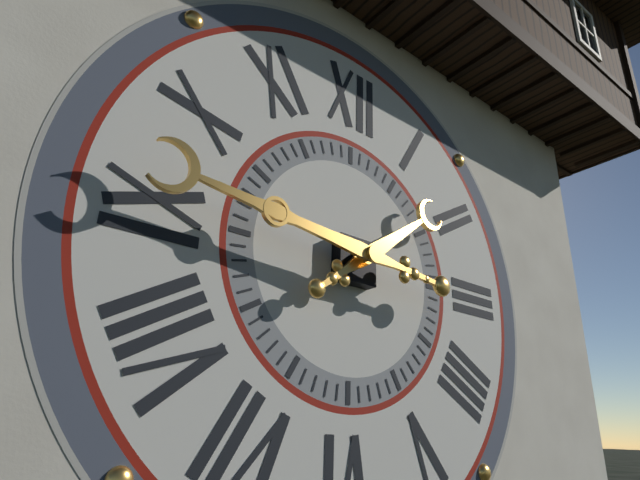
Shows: 1 h 46 min
